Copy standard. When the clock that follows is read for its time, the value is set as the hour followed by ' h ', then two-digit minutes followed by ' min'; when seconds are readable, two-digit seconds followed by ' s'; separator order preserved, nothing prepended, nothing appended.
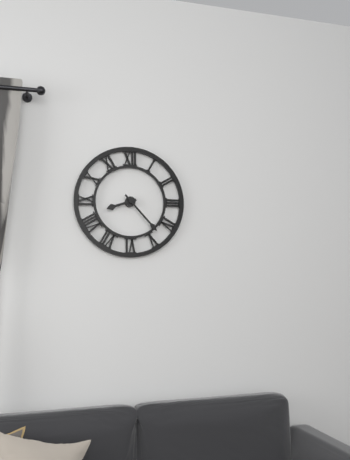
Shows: 8 h 23 min
